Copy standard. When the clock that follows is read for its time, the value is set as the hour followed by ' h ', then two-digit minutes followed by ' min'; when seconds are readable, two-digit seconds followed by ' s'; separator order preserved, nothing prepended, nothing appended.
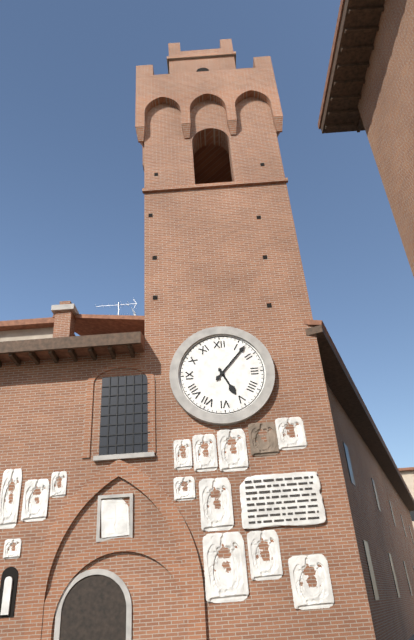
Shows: 5 h 07 min
